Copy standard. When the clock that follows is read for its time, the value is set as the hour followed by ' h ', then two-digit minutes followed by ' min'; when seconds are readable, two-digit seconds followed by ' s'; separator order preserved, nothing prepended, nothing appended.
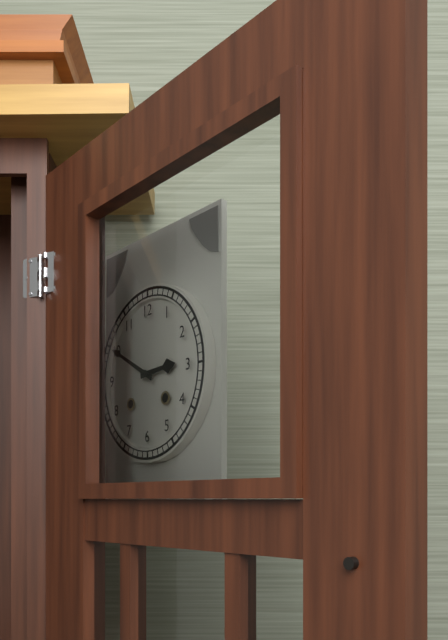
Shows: 2 h 50 min
